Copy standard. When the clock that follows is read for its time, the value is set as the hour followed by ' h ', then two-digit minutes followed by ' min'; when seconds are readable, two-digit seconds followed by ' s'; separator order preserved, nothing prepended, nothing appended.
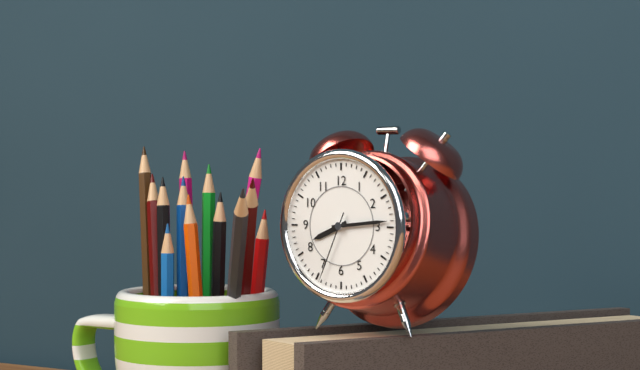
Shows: 8 h 14 min 34 s
